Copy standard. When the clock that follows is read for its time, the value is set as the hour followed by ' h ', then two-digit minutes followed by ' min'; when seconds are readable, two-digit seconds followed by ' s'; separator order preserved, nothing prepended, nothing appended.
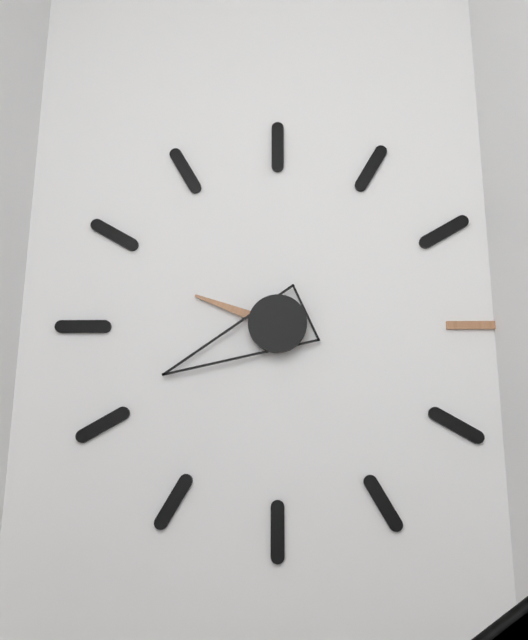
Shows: 9 h 41 min
